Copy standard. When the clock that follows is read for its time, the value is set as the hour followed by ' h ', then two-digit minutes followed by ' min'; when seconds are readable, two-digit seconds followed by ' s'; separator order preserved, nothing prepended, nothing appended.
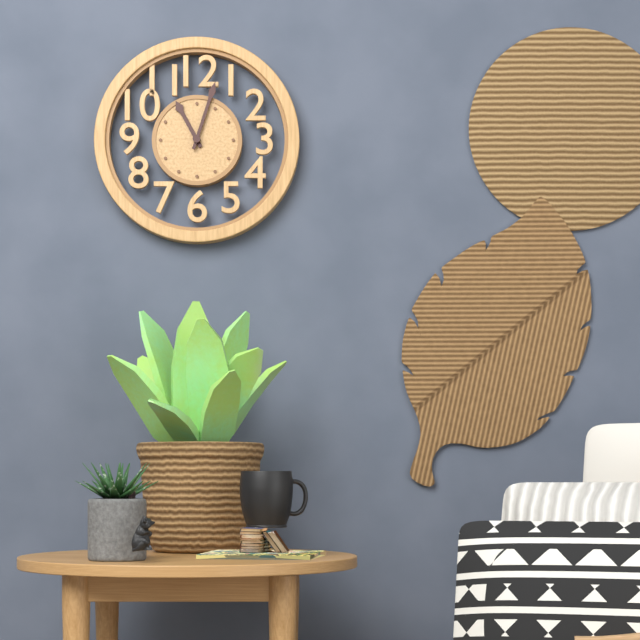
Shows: 11 h 03 min
